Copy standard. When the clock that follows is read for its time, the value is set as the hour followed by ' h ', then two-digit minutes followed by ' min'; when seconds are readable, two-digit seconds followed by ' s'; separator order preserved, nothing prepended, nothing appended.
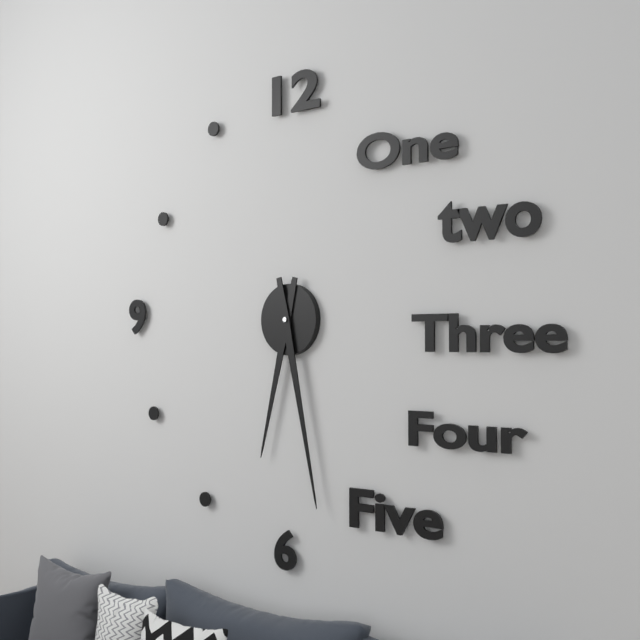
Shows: 6 h 28 min
